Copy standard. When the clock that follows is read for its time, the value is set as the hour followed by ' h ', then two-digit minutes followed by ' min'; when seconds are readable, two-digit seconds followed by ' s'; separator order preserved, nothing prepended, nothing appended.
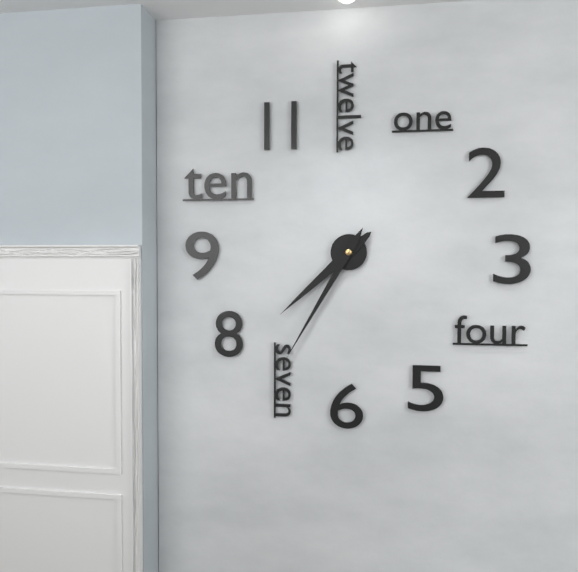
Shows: 7 h 35 min
